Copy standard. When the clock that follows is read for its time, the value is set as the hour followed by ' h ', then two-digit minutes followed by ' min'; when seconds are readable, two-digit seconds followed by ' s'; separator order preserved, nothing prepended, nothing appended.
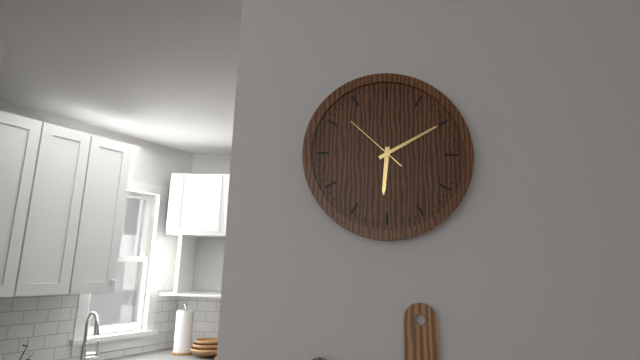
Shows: 6 h 10 min 52 s
